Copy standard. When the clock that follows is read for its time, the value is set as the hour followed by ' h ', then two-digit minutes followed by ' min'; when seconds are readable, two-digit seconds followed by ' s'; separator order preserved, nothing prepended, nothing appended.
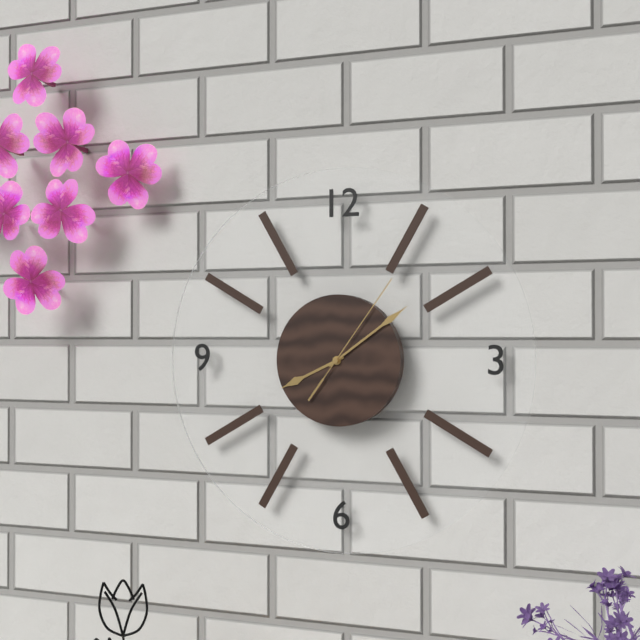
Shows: 8 h 09 min 06 s
